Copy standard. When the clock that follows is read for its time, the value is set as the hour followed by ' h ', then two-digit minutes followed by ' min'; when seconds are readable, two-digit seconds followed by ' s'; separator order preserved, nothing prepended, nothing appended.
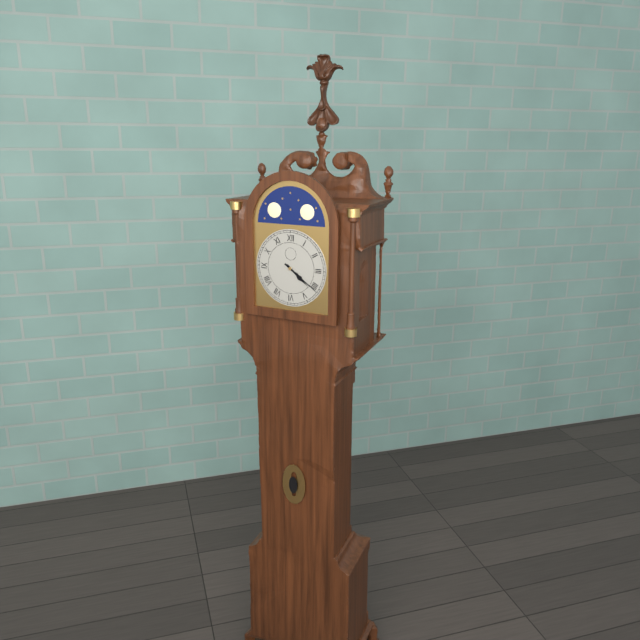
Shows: 4 h 21 min
